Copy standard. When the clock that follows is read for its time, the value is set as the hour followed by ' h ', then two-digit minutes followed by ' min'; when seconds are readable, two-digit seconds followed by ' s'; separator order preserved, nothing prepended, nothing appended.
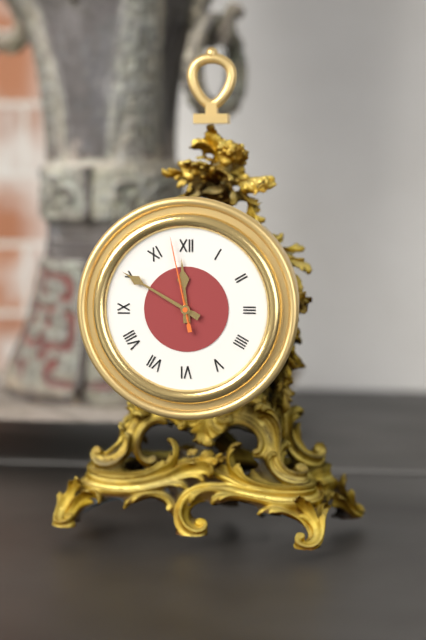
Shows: 11 h 50 min 58 s
